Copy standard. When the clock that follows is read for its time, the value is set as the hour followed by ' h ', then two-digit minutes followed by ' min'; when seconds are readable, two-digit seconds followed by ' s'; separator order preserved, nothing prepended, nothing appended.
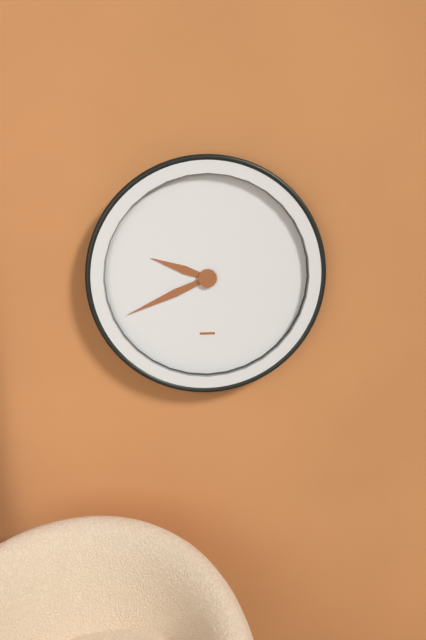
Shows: 9 h 41 min
